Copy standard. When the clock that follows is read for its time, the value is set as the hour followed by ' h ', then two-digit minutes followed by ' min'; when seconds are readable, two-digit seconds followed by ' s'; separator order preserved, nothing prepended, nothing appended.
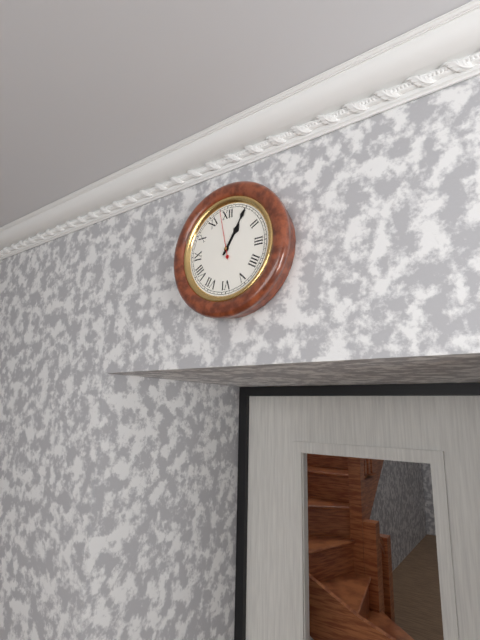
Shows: 1 h 05 min
